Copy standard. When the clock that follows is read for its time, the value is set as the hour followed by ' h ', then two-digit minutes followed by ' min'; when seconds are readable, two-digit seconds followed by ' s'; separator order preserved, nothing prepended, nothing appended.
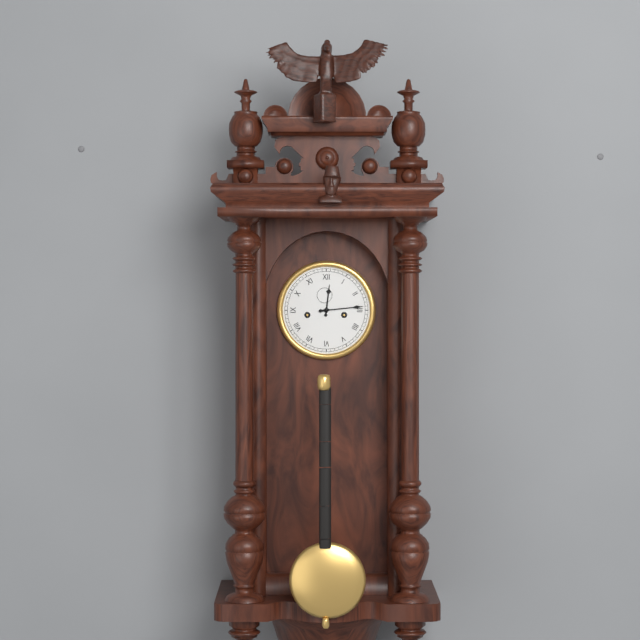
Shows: 12 h 14 min
